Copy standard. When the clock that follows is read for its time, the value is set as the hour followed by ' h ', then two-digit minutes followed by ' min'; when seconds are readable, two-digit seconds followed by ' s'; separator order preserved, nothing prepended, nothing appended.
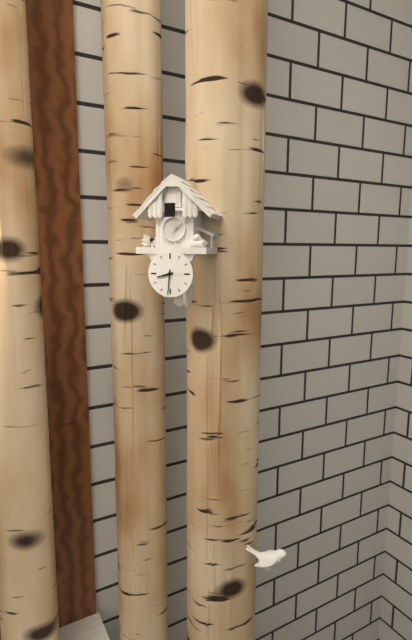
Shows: 8 h 31 min
